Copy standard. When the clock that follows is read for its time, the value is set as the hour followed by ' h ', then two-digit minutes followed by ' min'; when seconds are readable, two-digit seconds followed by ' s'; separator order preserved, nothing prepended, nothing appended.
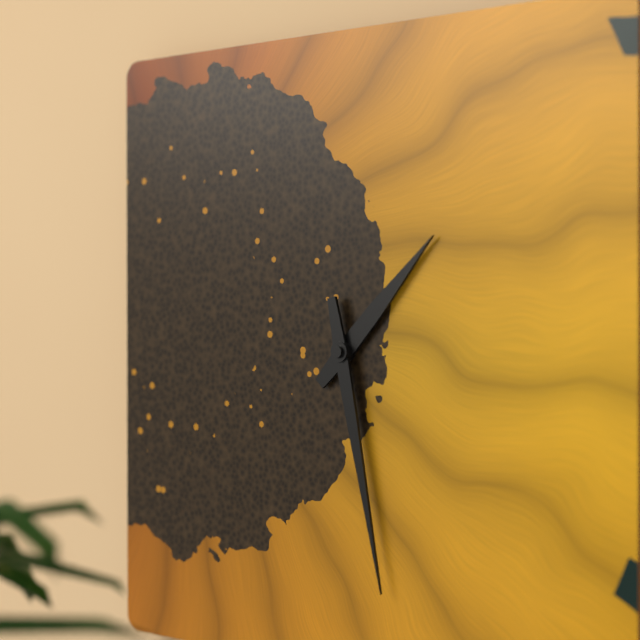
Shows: 1 h 28 min
